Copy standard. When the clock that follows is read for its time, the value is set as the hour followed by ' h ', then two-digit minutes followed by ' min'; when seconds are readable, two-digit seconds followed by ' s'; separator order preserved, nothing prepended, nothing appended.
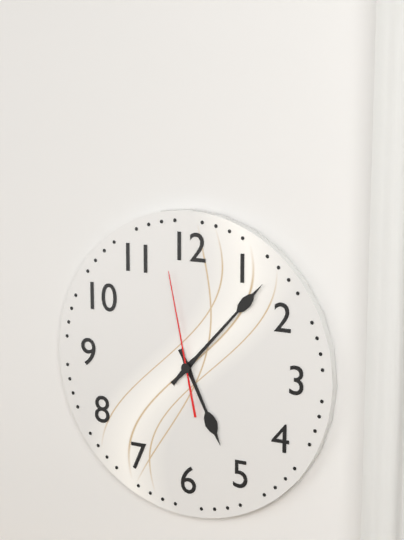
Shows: 5 h 07 min 58 s
